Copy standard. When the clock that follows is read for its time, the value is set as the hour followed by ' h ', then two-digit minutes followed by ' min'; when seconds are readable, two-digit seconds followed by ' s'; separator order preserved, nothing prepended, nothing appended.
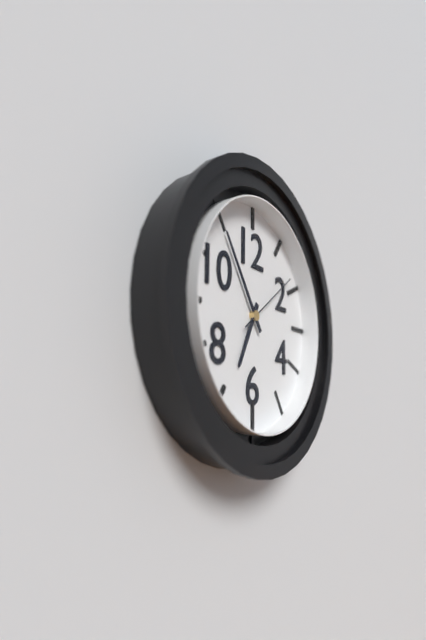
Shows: 6 h 54 min 09 s
